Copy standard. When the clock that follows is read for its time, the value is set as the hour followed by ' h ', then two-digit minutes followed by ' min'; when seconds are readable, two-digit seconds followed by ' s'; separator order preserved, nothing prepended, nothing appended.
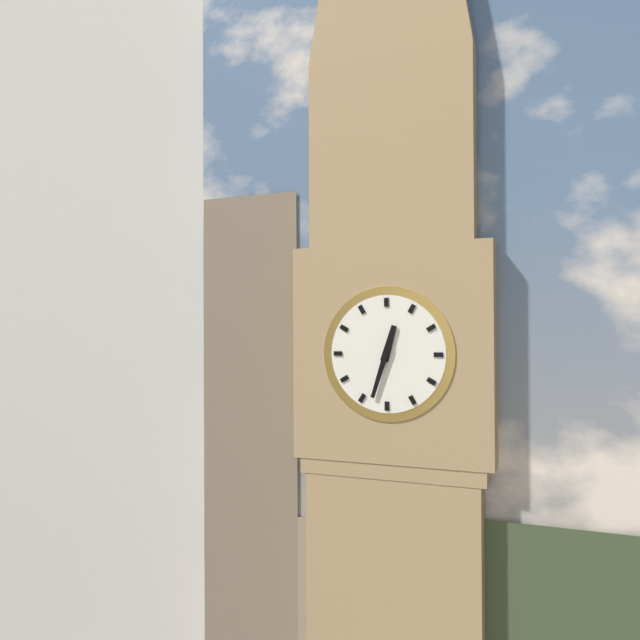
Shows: 12 h 33 min
